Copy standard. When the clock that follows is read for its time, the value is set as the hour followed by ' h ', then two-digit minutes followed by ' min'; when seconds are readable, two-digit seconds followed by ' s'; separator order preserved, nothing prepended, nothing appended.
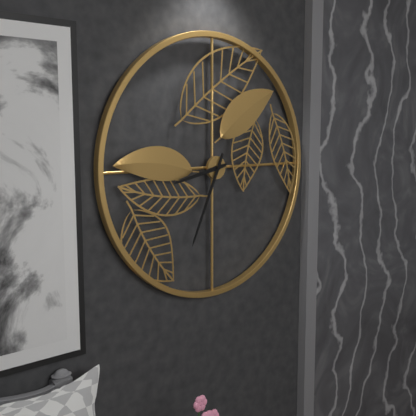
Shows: 8 h 34 min
